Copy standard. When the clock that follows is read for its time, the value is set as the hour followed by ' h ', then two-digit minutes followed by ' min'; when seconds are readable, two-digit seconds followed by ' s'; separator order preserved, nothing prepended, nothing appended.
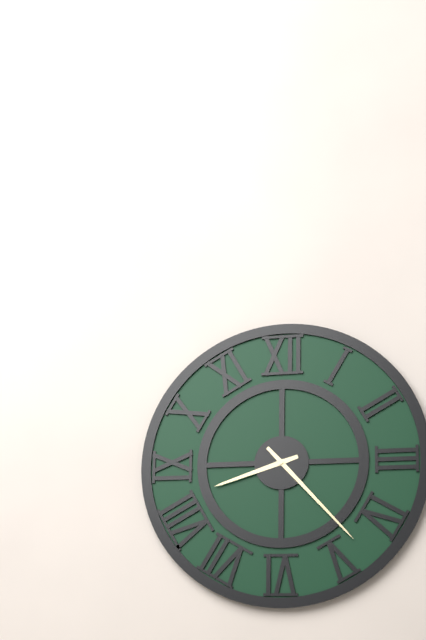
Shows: 8 h 23 min
